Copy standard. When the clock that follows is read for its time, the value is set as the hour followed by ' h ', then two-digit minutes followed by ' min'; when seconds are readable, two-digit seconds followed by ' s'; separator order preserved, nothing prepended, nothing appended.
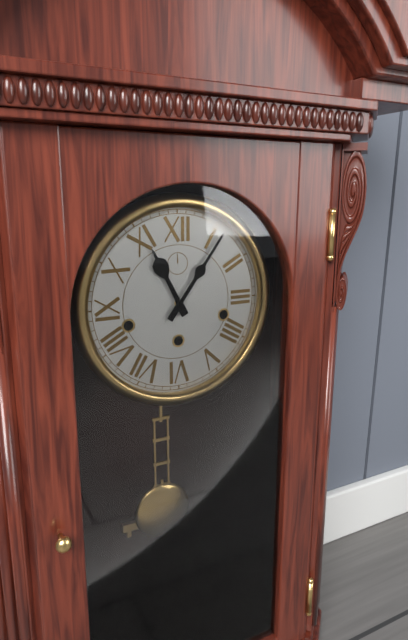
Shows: 11 h 06 min
